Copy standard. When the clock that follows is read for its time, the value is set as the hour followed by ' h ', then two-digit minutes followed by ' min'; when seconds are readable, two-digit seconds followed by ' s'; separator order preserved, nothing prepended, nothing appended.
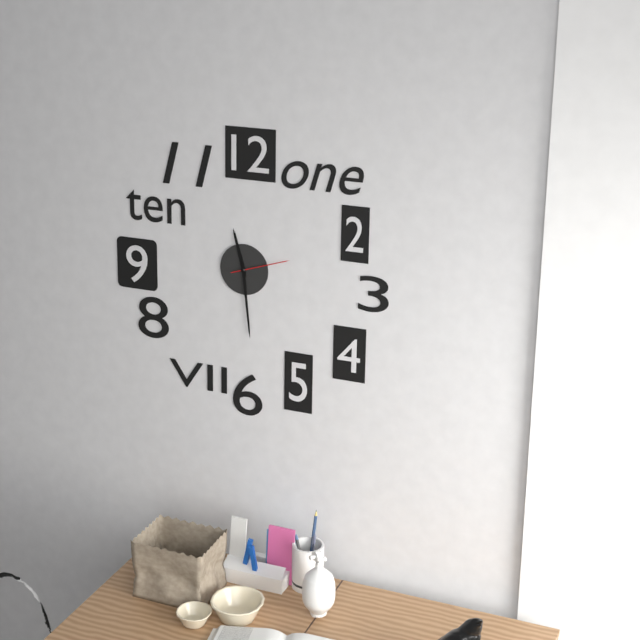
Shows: 11 h 29 min 12 s
